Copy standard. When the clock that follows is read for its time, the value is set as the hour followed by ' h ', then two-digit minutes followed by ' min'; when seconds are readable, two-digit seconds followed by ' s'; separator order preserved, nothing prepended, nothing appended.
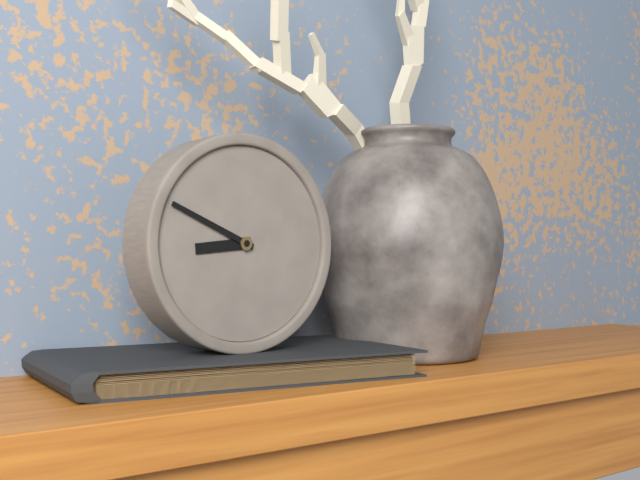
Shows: 8 h 49 min
